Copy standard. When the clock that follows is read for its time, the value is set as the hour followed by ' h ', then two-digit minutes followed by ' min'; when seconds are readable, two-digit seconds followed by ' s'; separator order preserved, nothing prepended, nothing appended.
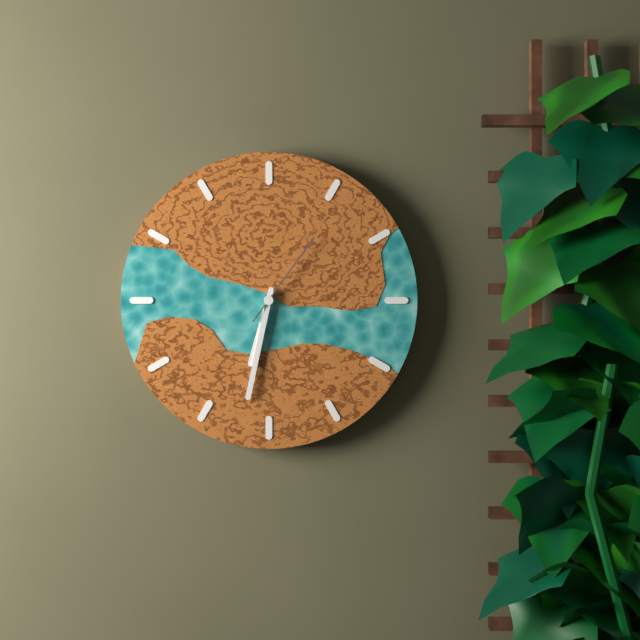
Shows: 6 h 32 min 06 s
